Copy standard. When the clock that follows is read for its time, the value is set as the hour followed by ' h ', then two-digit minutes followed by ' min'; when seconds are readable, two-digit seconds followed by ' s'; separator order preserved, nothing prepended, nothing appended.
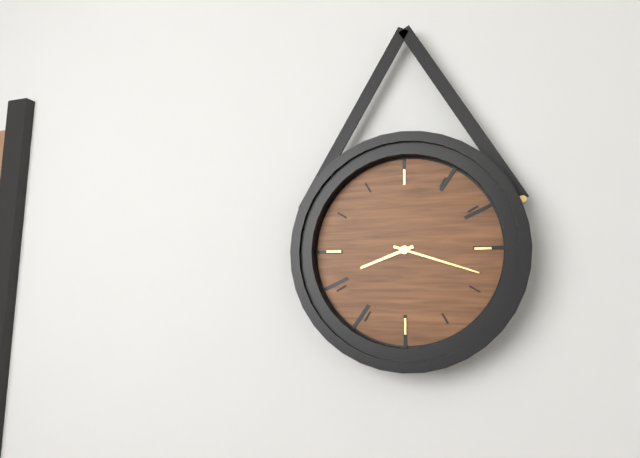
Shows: 8 h 18 min
